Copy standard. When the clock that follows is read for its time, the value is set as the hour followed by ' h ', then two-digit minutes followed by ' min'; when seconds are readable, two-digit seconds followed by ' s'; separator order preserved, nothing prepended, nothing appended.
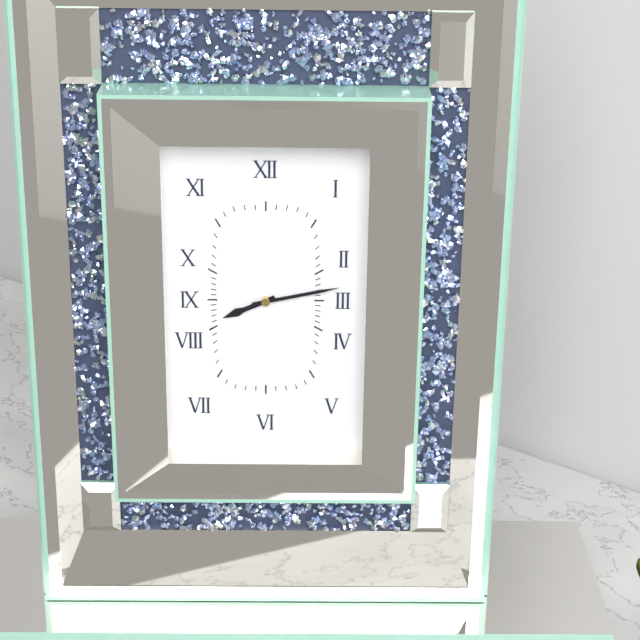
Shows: 8 h 13 min
